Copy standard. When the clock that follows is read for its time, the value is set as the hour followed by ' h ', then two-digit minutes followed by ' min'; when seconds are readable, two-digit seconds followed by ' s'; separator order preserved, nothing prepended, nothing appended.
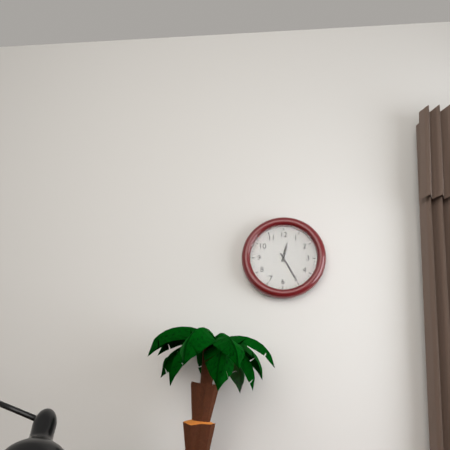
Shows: 12 h 25 min
